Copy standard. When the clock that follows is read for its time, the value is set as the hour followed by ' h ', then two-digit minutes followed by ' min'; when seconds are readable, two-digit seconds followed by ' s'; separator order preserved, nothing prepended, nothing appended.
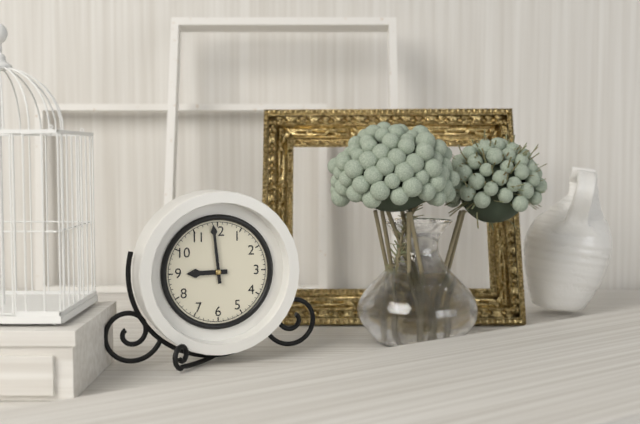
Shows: 8 h 59 min
